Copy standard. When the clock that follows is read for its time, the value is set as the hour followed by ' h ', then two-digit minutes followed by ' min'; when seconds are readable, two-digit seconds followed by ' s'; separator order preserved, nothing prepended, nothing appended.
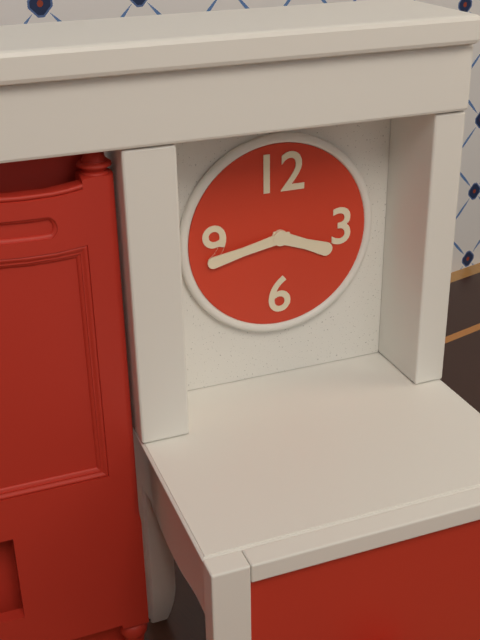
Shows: 3 h 43 min
